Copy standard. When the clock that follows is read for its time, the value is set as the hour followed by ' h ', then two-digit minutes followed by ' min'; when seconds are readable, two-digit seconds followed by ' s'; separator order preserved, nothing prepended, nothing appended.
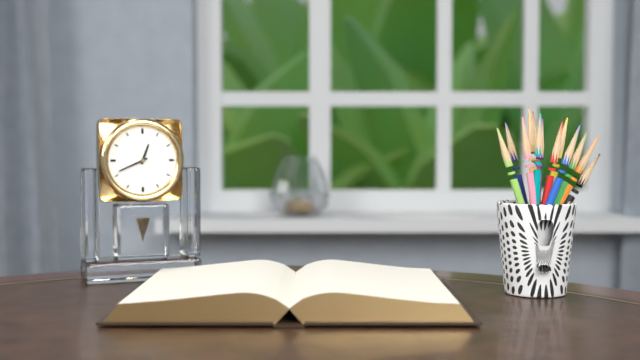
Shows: 12 h 41 min
